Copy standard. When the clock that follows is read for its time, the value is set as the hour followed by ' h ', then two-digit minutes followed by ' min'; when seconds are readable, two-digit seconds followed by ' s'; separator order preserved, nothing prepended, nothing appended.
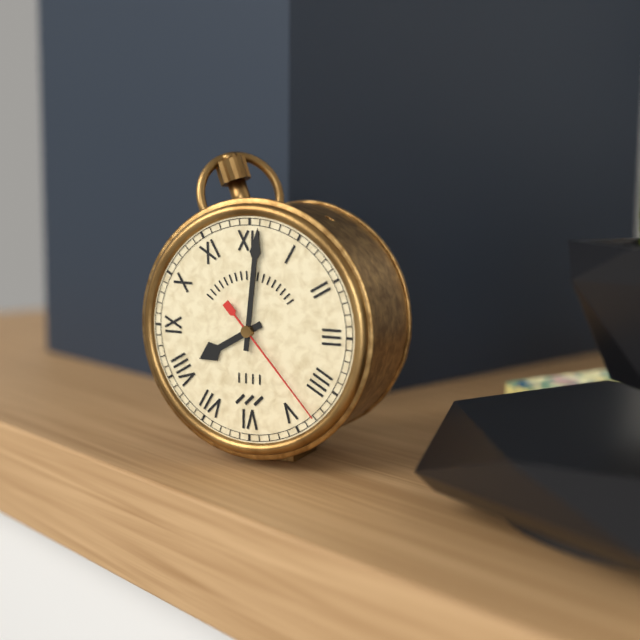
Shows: 8 h 01 min 23 s
